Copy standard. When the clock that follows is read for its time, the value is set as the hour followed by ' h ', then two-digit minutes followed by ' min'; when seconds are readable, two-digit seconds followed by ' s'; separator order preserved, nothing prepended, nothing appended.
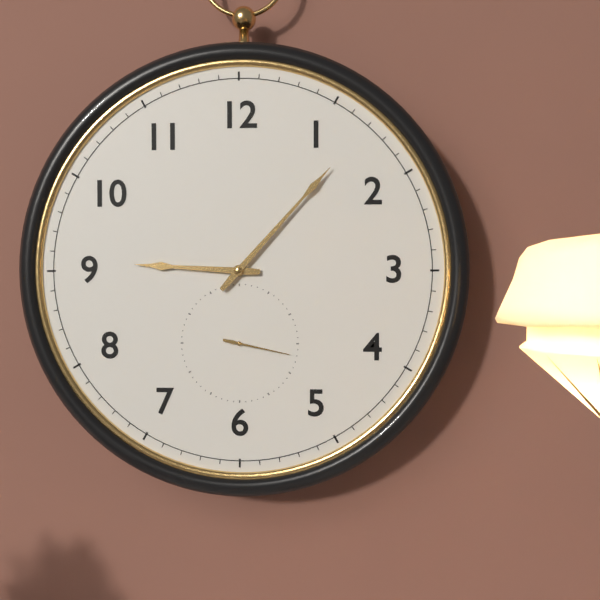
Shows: 9 h 07 min 17 s
